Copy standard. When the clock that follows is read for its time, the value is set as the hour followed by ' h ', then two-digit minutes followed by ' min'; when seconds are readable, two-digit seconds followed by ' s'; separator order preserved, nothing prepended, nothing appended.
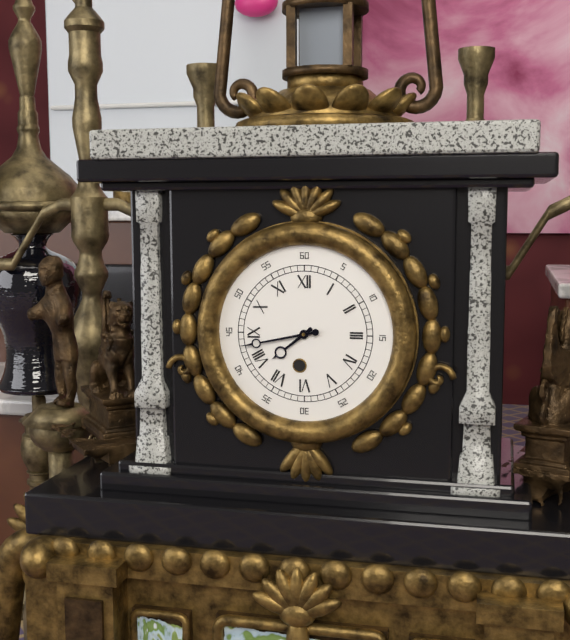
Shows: 7 h 43 min
